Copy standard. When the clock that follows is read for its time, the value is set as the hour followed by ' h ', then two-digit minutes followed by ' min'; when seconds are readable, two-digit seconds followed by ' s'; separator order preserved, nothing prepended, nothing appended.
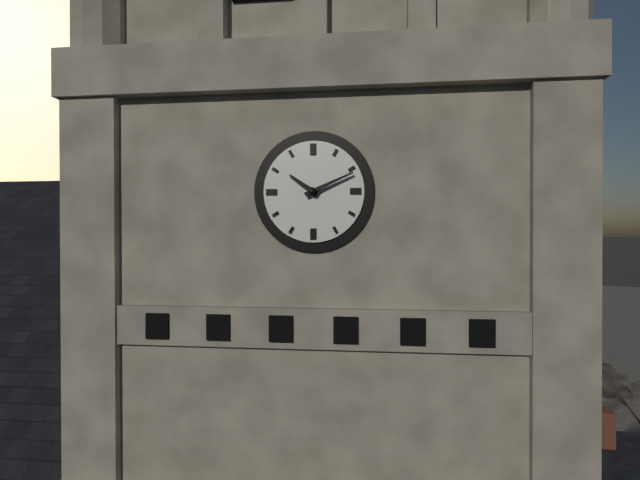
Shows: 10 h 11 min
